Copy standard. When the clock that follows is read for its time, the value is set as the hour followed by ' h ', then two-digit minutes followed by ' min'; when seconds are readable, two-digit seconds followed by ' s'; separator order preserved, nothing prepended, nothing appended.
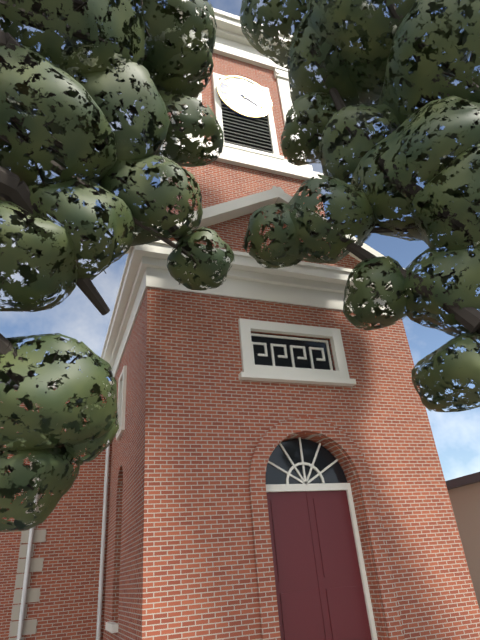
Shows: 12 h 20 min
